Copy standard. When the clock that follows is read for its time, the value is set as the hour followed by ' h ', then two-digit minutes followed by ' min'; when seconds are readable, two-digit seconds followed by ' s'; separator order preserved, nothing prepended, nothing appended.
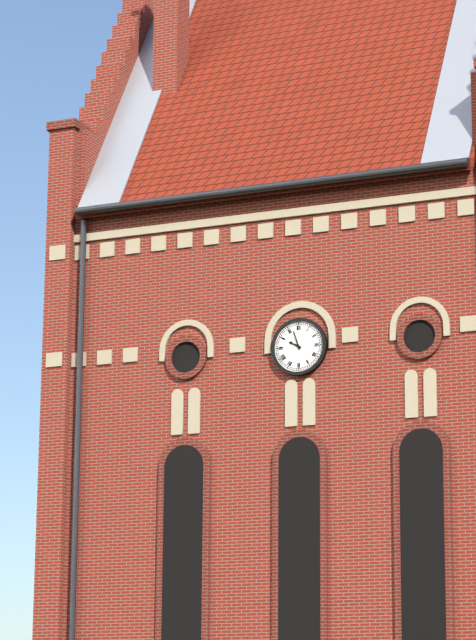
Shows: 9 h 57 min
